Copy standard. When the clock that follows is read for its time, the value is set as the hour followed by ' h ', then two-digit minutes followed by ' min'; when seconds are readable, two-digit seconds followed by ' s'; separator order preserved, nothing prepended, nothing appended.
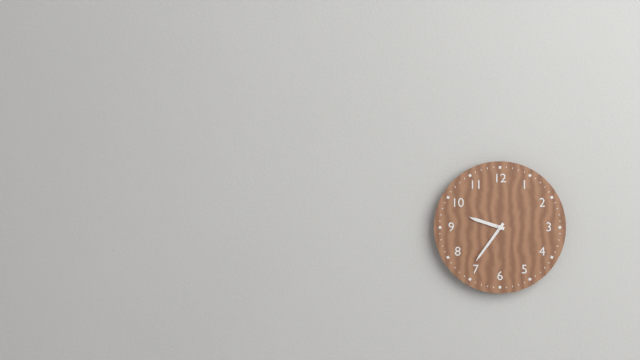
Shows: 9 h 36 min
